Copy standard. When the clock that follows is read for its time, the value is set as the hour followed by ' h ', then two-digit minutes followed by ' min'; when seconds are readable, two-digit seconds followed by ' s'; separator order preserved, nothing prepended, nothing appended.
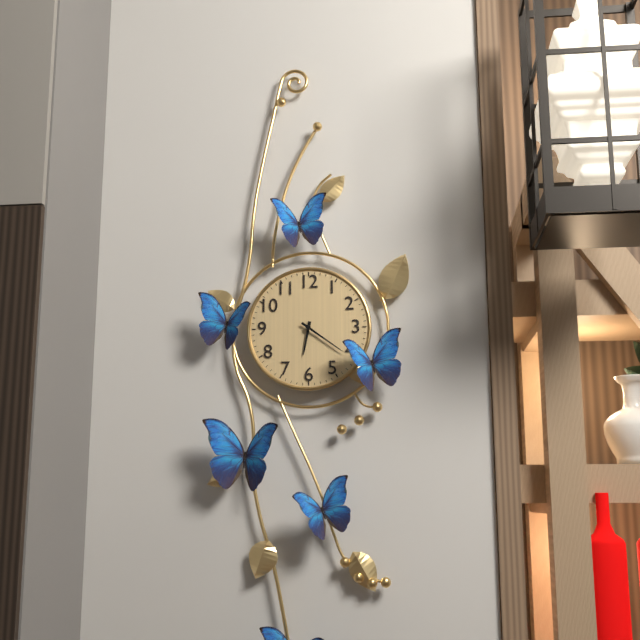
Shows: 6 h 21 min
